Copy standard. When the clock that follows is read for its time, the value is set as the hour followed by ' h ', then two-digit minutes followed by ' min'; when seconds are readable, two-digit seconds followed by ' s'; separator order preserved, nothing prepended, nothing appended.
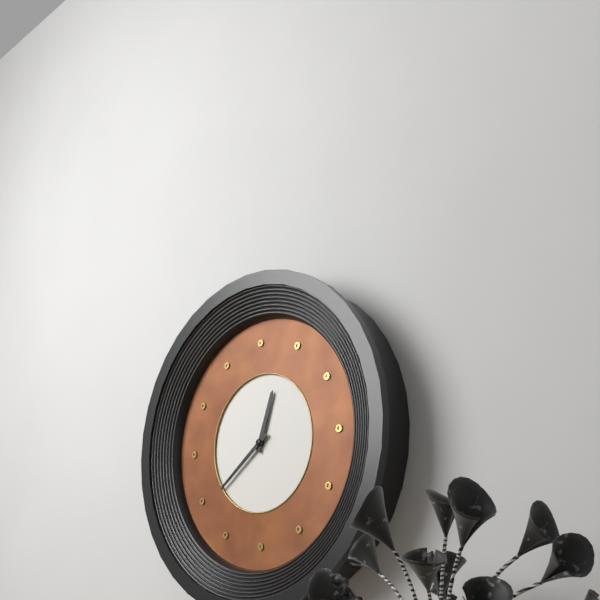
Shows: 12 h 39 min
